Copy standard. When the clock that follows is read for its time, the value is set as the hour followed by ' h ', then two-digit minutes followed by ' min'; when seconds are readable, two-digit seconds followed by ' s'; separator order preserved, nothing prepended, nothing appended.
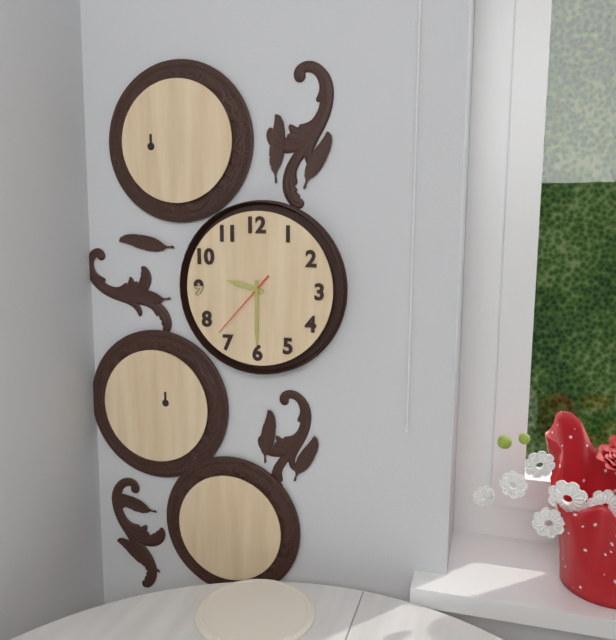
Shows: 9 h 30 min 37 s
